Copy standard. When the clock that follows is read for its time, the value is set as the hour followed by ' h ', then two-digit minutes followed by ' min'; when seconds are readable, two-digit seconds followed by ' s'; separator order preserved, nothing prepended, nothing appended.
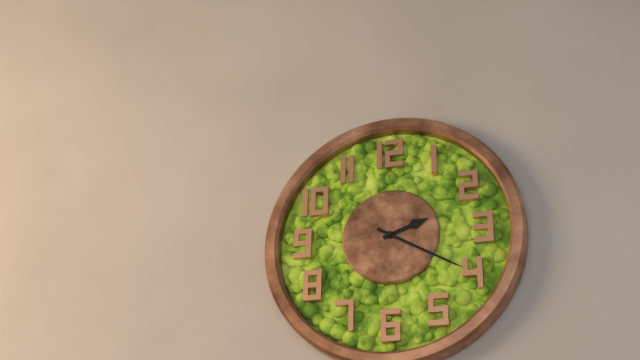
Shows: 2 h 20 min
